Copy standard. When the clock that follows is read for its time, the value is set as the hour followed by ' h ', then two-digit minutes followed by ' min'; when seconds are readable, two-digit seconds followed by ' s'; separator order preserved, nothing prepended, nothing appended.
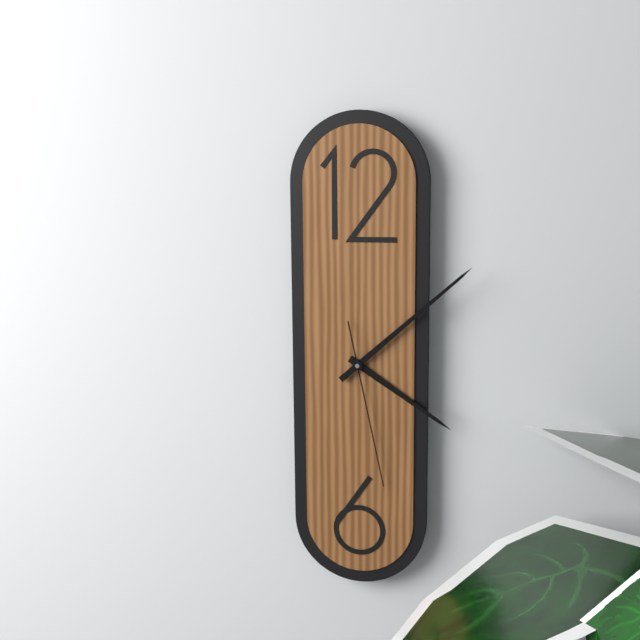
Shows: 4 h 08 min 28 s
